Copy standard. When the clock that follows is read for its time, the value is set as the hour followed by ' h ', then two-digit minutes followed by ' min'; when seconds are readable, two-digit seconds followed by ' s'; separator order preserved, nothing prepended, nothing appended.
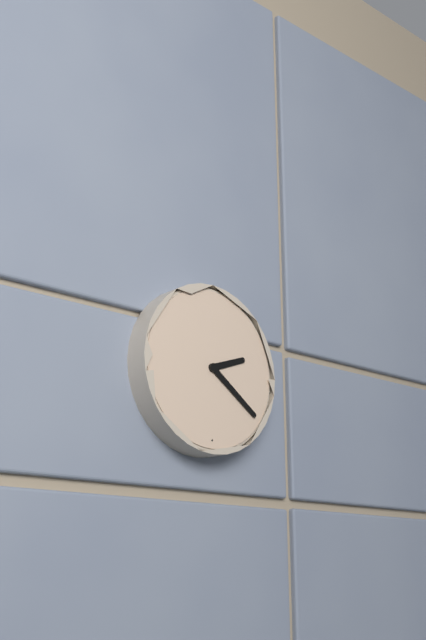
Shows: 2 h 21 min
